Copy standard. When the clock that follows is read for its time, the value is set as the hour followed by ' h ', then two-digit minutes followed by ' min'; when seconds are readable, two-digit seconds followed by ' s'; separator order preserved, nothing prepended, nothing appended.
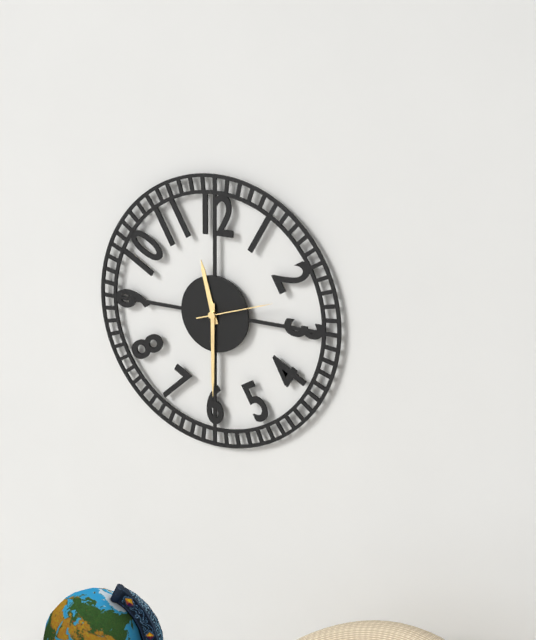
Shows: 11 h 30 min 12 s
